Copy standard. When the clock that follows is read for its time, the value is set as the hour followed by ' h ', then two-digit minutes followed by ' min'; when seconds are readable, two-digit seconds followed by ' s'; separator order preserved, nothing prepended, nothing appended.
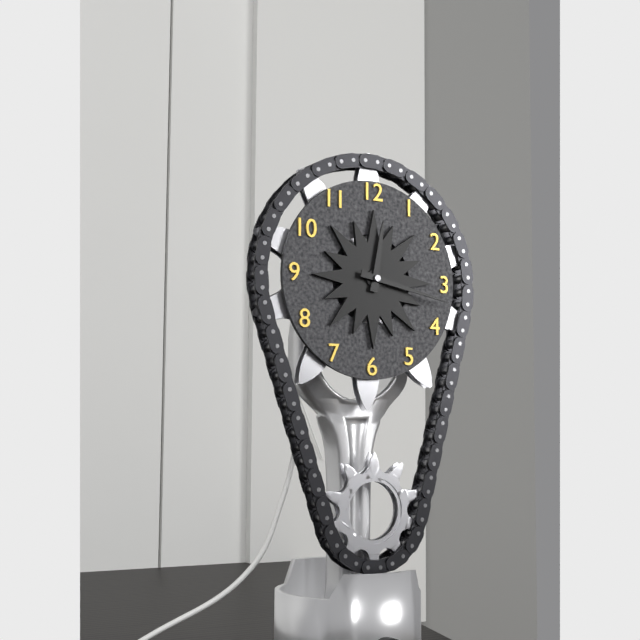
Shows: 12 h 17 min
